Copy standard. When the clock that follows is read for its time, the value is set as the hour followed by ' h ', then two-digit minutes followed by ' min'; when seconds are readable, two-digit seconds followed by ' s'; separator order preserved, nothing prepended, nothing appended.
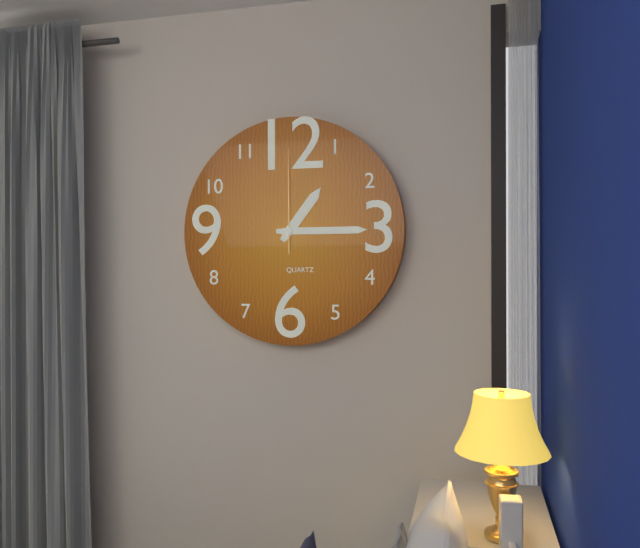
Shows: 1 h 15 min 00 s
